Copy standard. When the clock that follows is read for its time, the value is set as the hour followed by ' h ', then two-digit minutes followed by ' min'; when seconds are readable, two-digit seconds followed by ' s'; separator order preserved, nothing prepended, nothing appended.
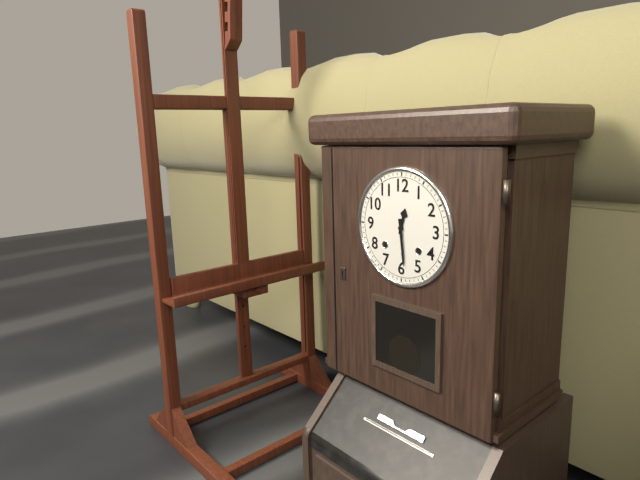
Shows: 12 h 29 min
